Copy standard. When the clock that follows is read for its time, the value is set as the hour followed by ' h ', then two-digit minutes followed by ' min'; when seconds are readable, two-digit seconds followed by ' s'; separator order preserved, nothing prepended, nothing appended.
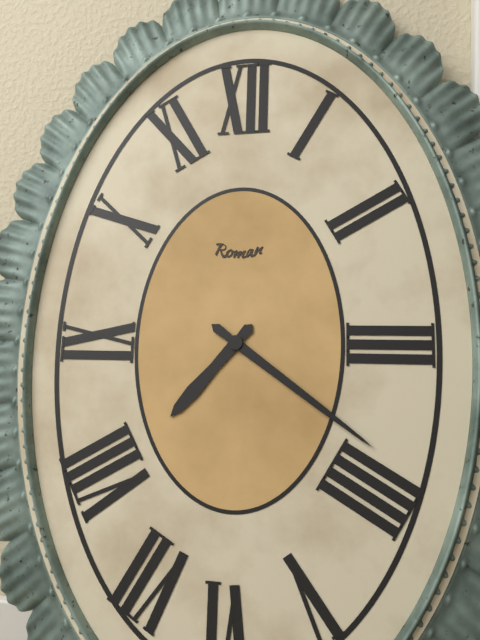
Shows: 7 h 21 min
